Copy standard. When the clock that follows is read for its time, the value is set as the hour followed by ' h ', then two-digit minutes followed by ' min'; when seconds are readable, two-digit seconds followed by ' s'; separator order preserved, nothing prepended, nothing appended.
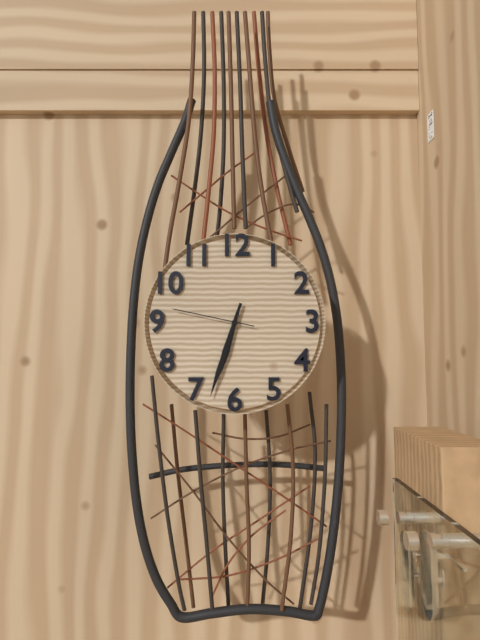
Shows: 6 h 33 min 47 s
